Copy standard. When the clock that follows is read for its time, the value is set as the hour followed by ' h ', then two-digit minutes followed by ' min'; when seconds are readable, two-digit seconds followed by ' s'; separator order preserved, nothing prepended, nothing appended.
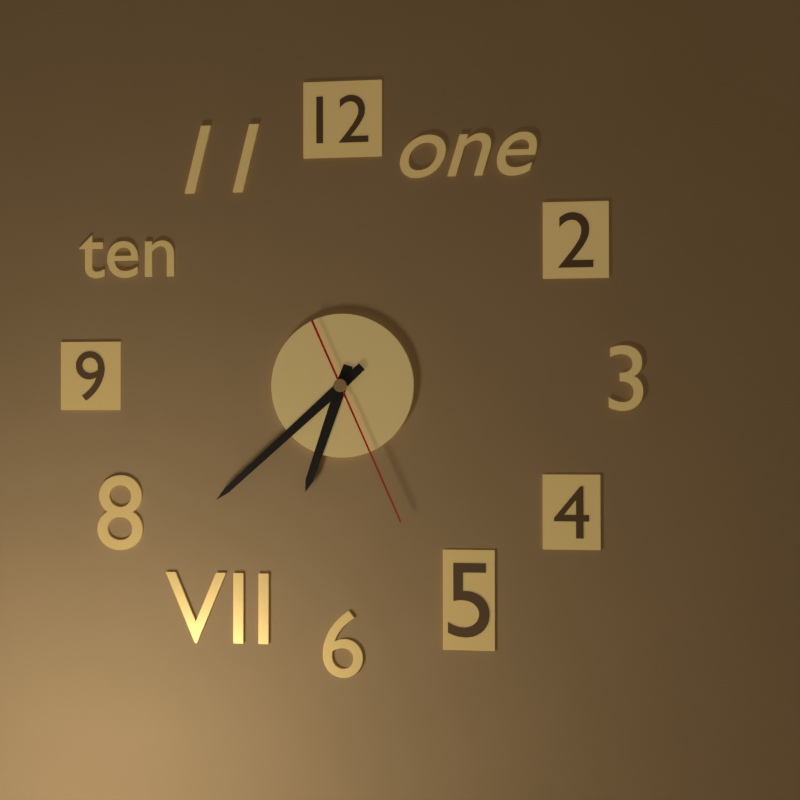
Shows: 6 h 38 min 26 s
